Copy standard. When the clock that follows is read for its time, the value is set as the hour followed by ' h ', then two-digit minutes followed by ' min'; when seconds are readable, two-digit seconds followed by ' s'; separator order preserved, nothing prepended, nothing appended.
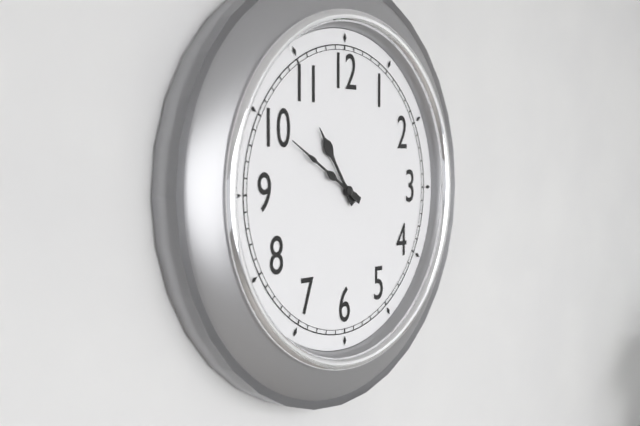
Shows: 10 h 50 min
